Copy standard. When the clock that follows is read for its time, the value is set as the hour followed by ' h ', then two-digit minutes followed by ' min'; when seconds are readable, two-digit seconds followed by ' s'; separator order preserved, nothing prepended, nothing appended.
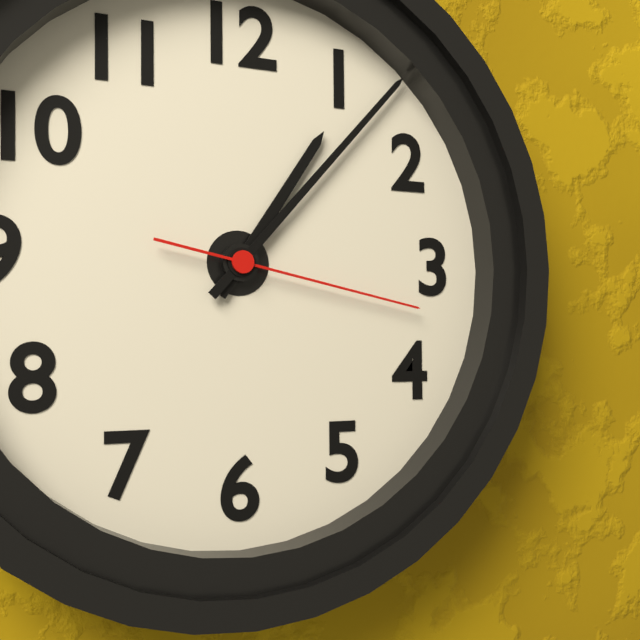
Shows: 1 h 07 min 17 s
